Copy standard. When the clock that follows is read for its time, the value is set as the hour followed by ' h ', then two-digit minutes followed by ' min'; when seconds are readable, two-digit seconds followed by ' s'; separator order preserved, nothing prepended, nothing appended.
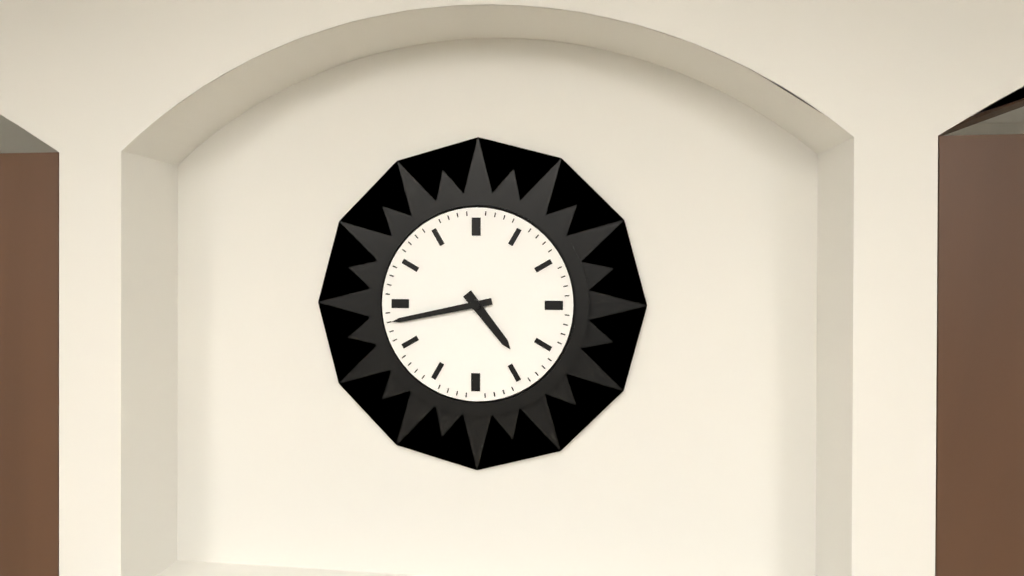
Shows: 4 h 43 min
